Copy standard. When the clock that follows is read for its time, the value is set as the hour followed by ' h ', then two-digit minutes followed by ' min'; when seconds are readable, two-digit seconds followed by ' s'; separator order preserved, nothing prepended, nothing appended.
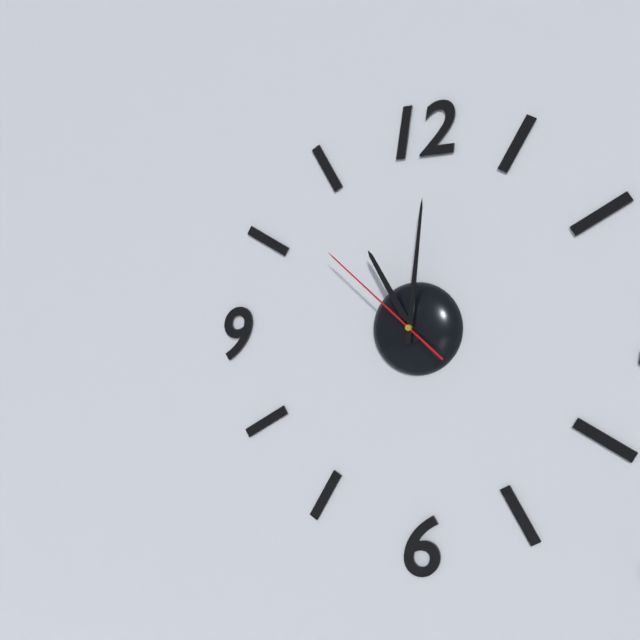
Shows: 11 h 01 min 52 s
